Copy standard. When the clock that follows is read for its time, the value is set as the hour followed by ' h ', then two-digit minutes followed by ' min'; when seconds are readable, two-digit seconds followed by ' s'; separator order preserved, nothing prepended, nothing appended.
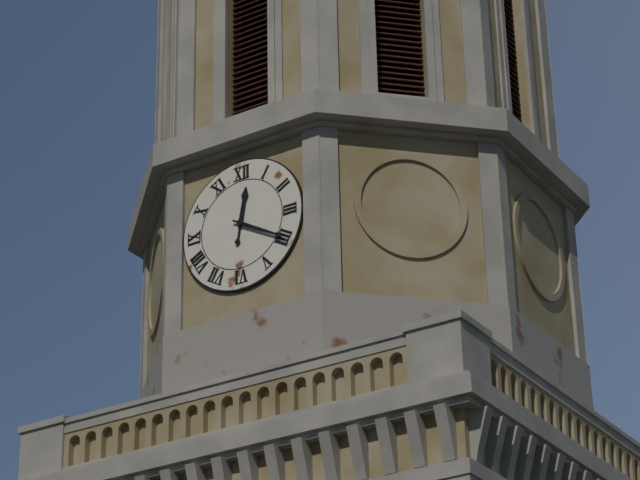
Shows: 12 h 20 min
